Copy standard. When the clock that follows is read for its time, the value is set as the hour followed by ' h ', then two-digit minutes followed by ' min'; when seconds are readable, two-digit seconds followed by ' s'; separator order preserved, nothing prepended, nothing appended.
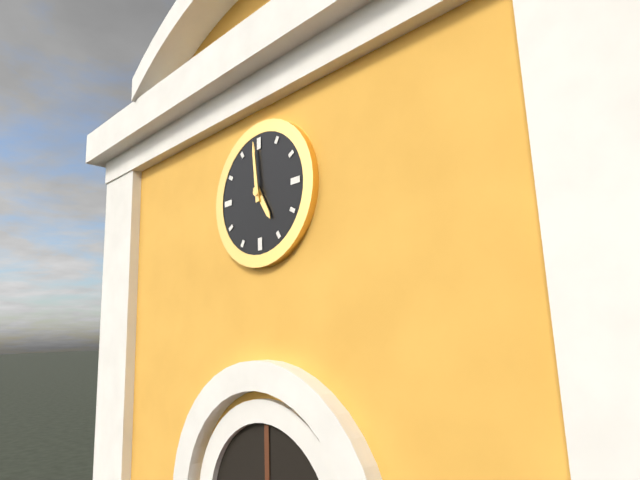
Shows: 4 h 59 min
